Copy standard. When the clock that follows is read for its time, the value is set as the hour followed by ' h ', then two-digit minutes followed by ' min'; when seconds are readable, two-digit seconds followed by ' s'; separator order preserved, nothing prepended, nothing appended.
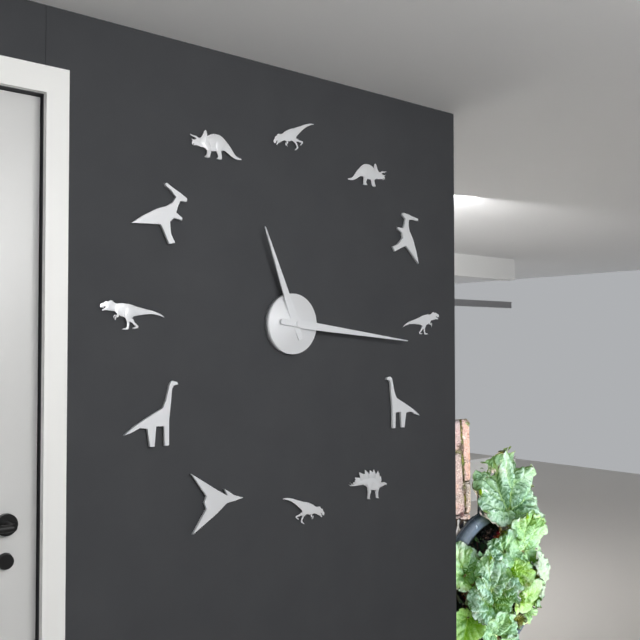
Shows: 11 h 16 min
